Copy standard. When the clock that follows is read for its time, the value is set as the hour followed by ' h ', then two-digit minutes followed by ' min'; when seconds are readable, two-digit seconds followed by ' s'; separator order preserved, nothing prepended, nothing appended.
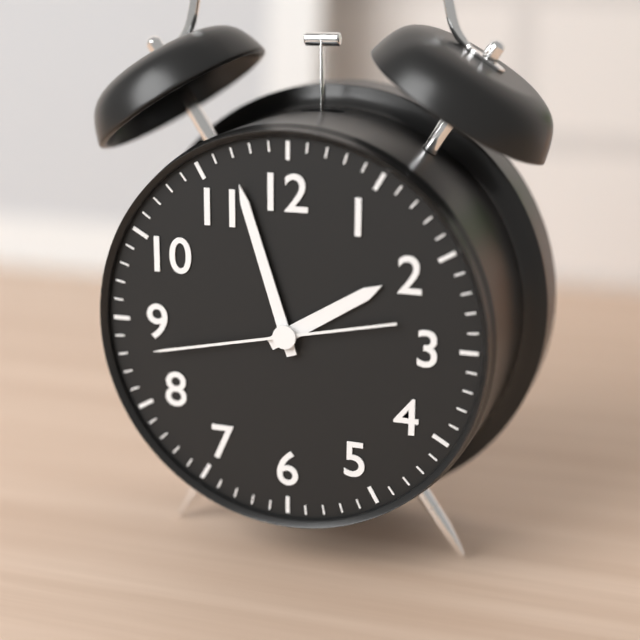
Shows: 1 h 57 min 43 s
